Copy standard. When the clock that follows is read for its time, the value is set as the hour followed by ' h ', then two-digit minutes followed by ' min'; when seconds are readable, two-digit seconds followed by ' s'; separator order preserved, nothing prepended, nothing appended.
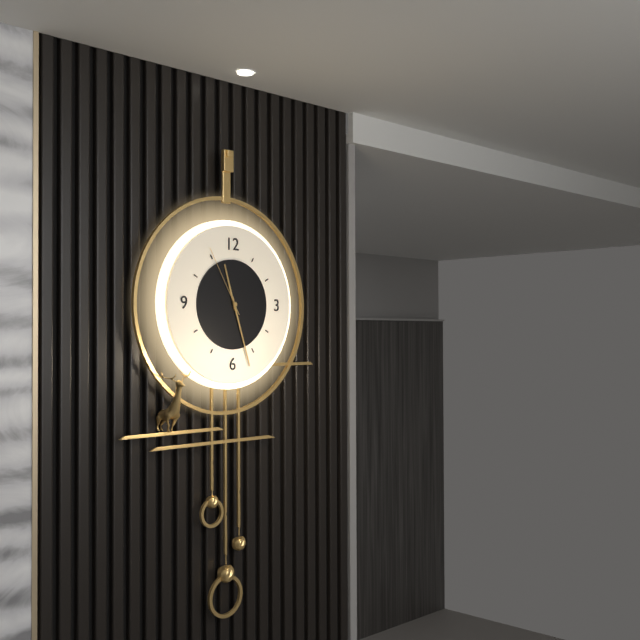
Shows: 11 h 27 min 55 s
